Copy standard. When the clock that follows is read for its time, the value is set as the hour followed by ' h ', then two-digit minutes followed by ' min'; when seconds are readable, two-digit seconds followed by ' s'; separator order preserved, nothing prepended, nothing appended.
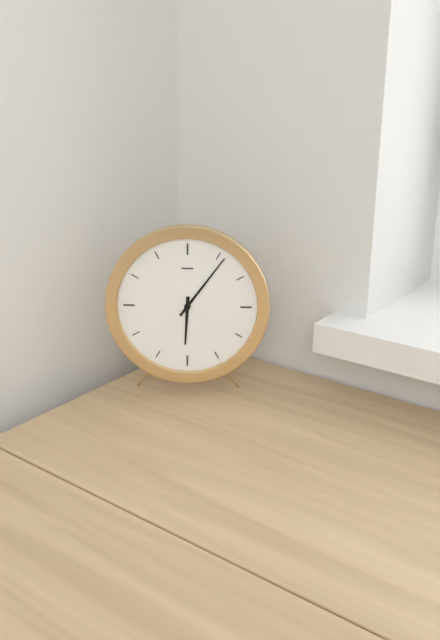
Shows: 6 h 06 min
